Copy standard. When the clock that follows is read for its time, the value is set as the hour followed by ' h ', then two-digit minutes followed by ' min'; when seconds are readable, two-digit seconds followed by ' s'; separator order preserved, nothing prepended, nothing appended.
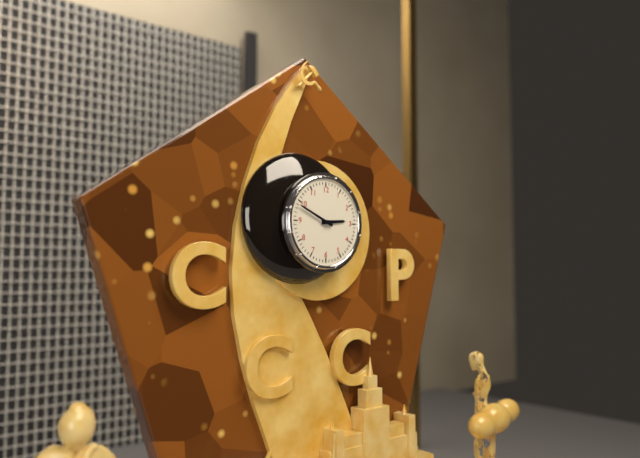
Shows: 2 h 49 min
